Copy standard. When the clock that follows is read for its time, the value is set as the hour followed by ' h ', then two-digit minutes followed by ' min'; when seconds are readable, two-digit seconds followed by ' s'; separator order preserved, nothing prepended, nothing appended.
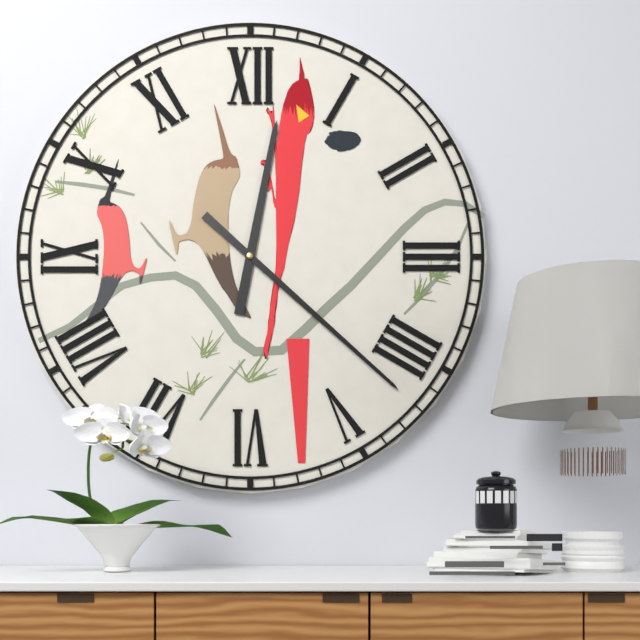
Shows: 12 h 22 min
